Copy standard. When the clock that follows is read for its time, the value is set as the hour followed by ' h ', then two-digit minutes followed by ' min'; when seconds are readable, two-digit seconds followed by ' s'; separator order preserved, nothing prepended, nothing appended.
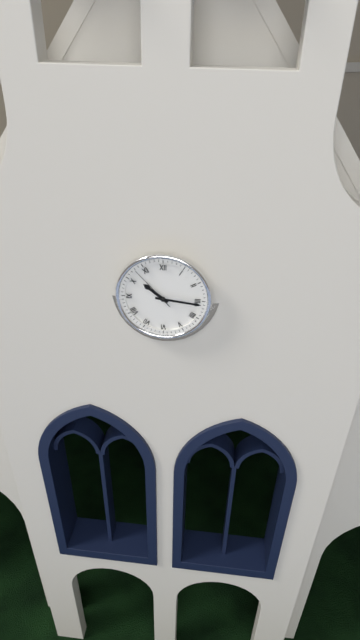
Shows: 10 h 16 min
